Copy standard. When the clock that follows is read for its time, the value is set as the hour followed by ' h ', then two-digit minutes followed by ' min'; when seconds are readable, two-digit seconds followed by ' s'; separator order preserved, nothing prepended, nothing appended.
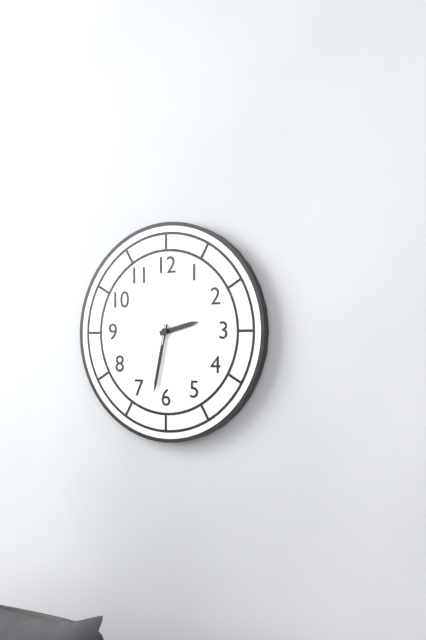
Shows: 2 h 32 min 02 s
